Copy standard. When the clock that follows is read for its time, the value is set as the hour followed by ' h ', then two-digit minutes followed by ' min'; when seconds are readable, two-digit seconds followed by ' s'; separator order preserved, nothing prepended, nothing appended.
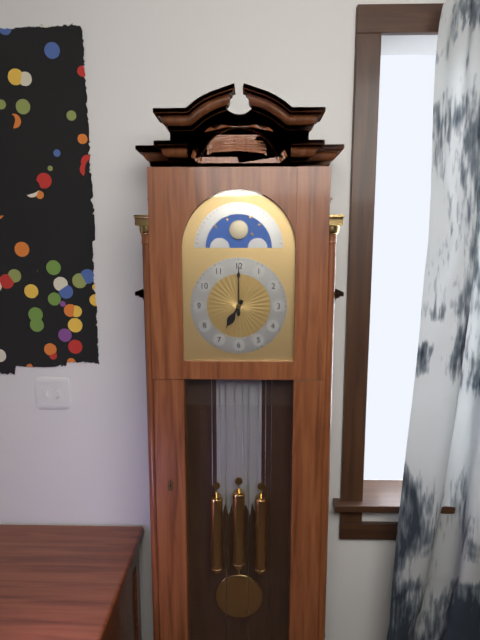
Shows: 7 h 00 min
